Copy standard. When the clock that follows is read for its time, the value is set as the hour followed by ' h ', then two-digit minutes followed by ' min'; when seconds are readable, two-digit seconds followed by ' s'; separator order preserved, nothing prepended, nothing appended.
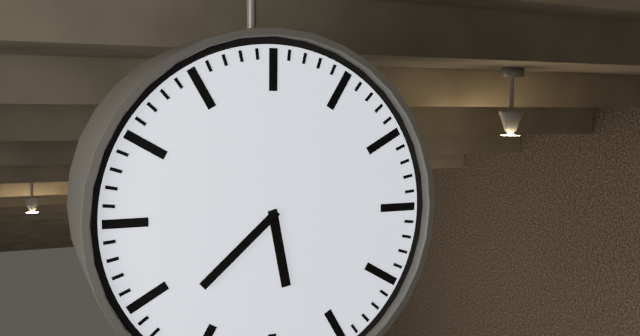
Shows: 5 h 38 min
